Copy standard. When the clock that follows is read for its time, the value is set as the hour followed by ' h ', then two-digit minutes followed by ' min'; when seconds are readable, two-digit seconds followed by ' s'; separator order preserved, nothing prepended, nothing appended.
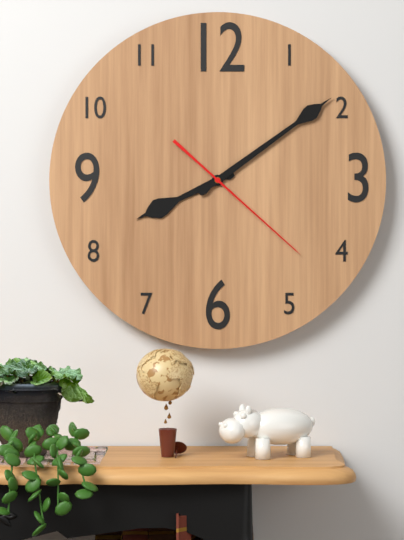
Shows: 8 h 09 min 22 s
